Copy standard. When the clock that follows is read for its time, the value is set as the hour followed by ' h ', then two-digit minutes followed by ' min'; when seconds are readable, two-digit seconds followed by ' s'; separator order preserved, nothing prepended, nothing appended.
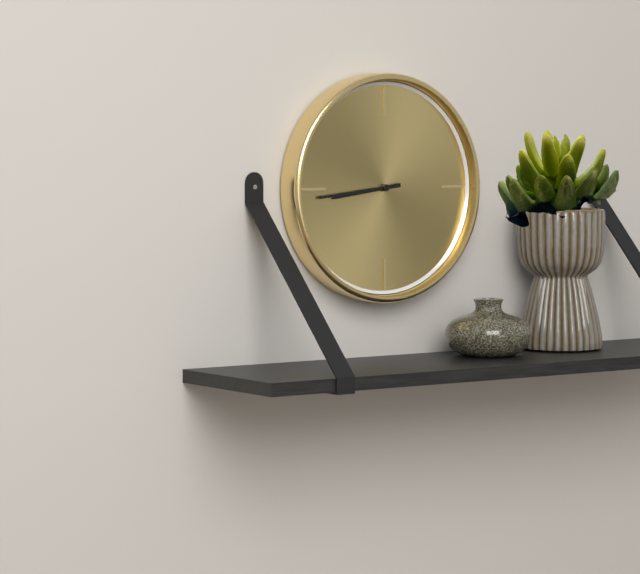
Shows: 8 h 44 min
